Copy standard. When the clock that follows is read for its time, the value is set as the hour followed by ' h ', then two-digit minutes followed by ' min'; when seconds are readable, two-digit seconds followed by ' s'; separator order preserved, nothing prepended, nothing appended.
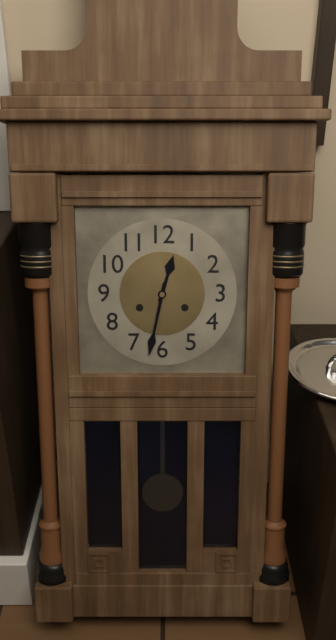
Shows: 12 h 32 min
